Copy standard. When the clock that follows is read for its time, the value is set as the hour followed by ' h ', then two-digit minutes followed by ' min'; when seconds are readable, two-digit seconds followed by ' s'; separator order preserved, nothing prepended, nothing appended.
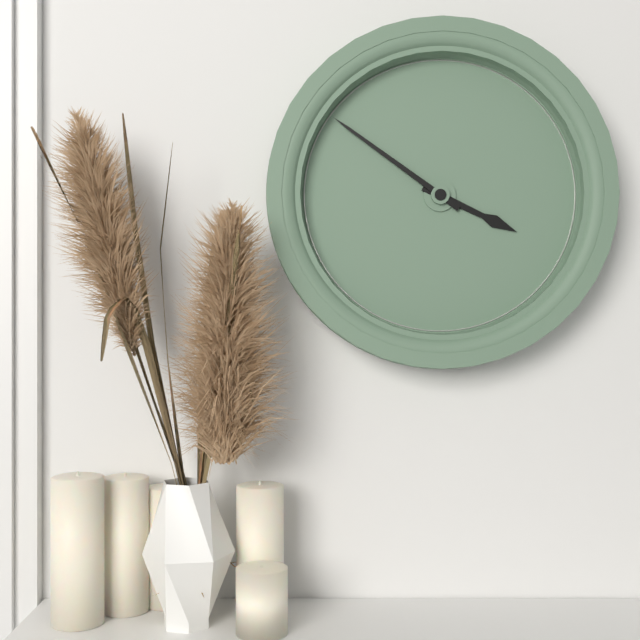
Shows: 3 h 51 min
